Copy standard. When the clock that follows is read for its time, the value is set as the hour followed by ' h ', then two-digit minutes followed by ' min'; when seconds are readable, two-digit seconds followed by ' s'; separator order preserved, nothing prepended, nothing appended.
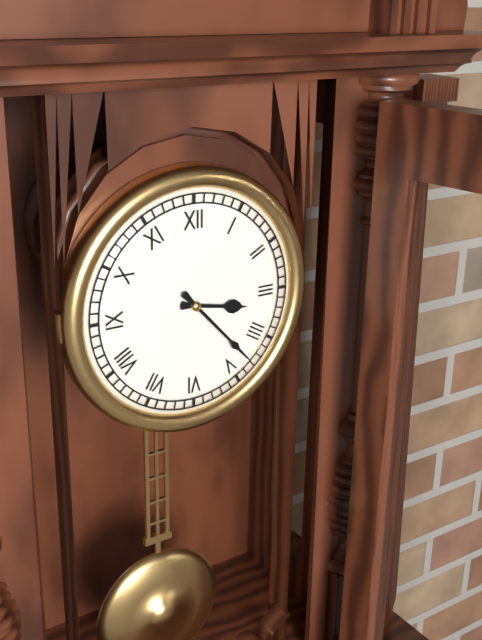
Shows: 3 h 23 min
